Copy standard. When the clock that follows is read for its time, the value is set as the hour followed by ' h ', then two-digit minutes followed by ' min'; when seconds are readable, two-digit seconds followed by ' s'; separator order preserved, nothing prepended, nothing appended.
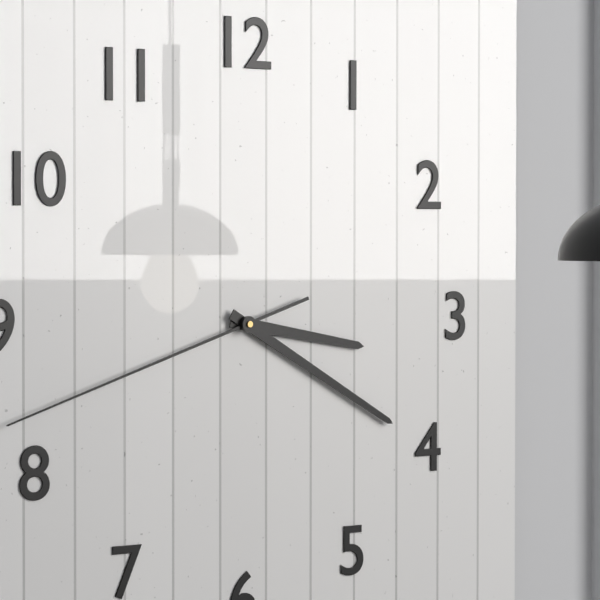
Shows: 3 h 20 min 42 s
